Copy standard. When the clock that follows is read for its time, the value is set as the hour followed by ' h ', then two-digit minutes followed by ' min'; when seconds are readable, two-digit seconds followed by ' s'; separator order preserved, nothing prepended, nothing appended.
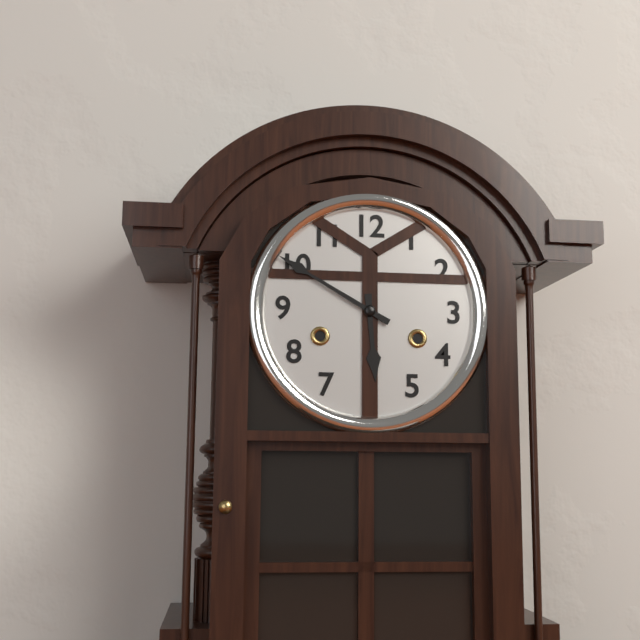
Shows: 5 h 50 min
